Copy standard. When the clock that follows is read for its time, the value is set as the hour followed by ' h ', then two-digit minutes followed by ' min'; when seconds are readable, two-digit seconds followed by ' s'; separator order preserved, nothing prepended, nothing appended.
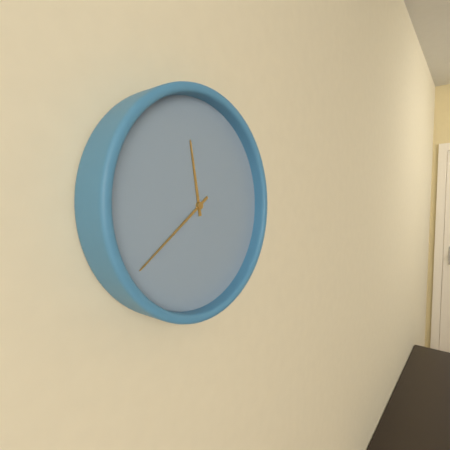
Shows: 11 h 39 min
